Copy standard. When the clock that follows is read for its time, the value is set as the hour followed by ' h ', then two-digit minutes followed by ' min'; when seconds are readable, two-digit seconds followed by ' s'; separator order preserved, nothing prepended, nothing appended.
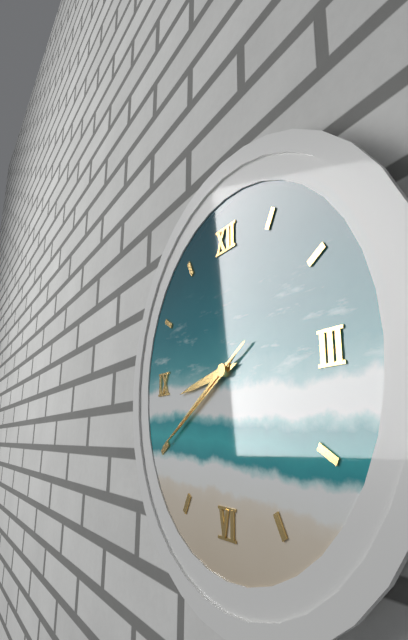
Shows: 8 h 40 min 40 s
